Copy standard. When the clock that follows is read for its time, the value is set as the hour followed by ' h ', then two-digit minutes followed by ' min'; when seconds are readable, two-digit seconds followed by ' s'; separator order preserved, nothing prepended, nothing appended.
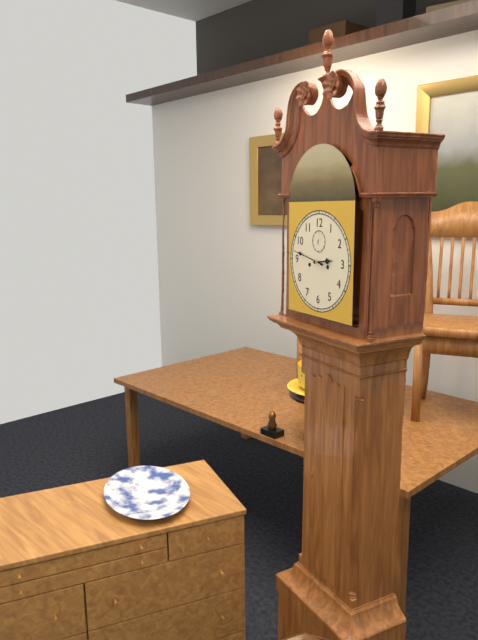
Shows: 2 h 47 min
